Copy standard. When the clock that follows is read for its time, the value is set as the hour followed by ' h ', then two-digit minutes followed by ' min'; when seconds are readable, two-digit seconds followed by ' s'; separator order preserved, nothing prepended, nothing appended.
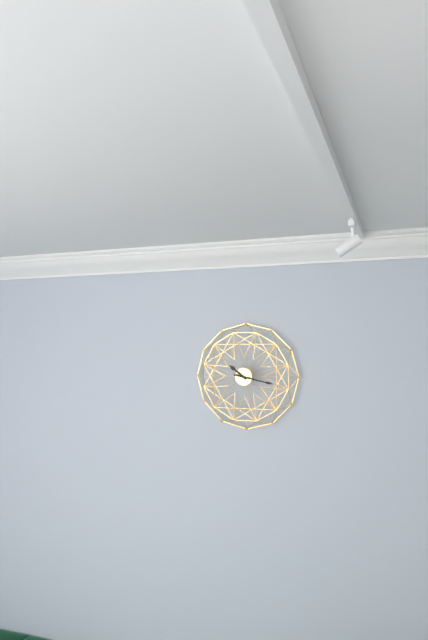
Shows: 10 h 17 min
